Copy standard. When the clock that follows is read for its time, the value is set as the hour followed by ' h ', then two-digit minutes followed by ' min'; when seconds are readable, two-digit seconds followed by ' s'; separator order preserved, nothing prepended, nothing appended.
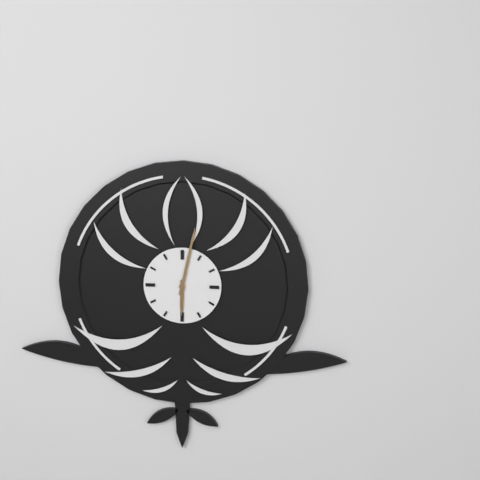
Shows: 6 h 02 min
